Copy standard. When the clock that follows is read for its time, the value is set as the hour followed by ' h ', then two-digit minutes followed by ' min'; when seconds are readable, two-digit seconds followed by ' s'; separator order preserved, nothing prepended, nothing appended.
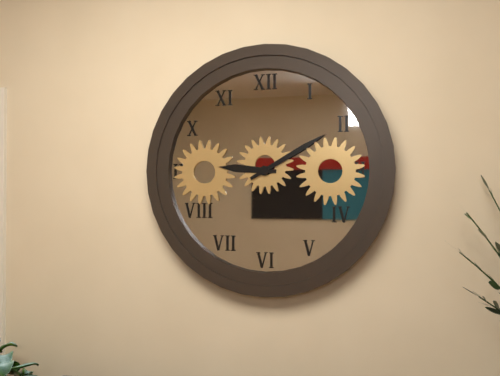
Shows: 9 h 10 min
